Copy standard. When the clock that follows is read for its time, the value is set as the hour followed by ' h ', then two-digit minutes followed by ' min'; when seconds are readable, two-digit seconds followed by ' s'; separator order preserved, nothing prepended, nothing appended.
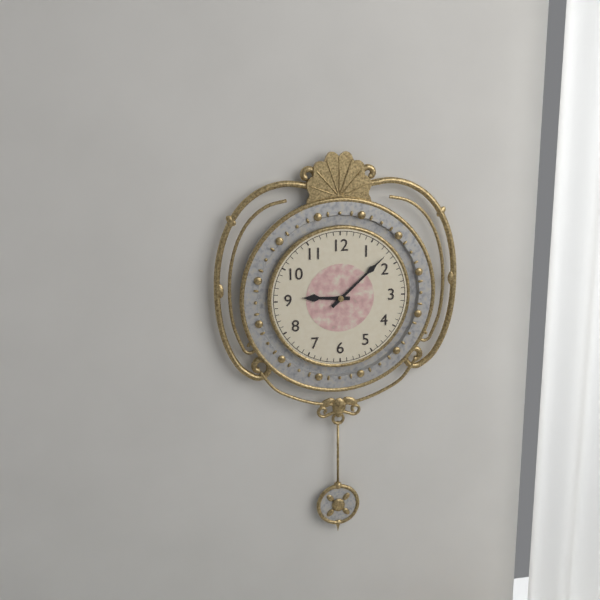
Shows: 9 h 08 min
